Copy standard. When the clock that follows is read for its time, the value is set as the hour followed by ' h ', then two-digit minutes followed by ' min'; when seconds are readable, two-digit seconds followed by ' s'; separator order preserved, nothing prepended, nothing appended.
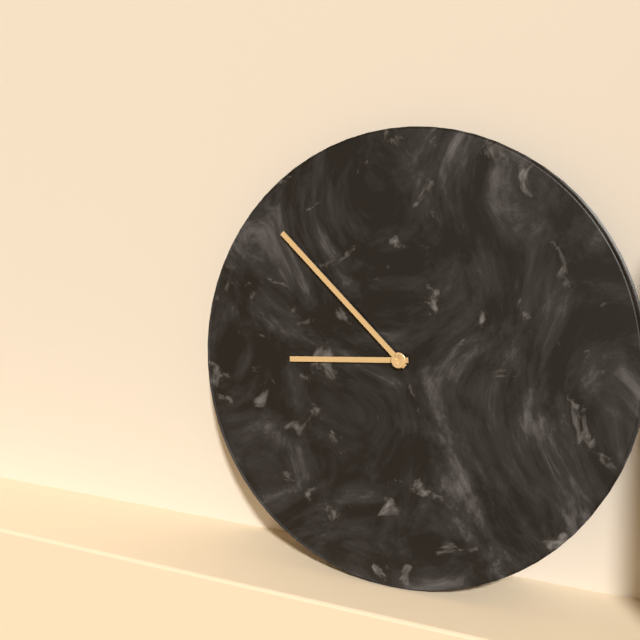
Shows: 8 h 52 min
